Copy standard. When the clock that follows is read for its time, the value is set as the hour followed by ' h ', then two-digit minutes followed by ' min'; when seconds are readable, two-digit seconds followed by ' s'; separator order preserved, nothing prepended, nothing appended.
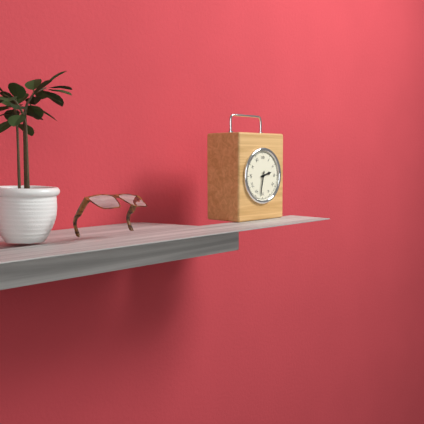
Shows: 2 h 32 min
